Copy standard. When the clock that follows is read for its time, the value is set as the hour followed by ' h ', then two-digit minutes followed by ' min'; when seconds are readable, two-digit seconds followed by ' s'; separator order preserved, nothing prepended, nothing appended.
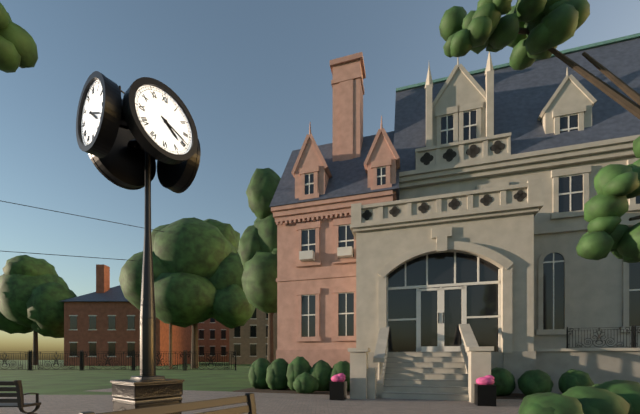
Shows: 4 h 19 min
